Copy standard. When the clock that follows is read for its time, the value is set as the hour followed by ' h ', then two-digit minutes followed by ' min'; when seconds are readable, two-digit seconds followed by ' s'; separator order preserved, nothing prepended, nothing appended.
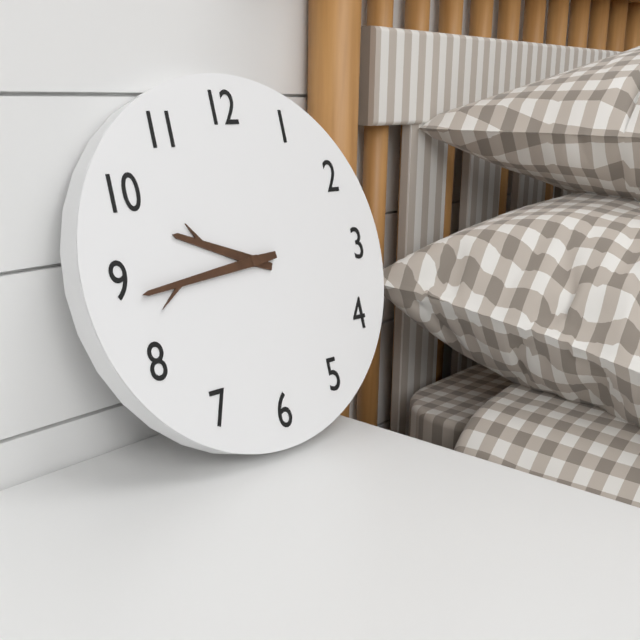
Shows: 9 h 44 min
